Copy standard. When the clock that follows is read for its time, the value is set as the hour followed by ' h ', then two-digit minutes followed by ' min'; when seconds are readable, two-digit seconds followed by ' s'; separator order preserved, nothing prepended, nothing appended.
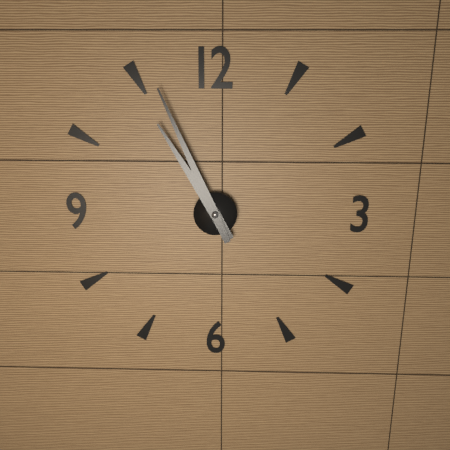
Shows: 10 h 56 min
